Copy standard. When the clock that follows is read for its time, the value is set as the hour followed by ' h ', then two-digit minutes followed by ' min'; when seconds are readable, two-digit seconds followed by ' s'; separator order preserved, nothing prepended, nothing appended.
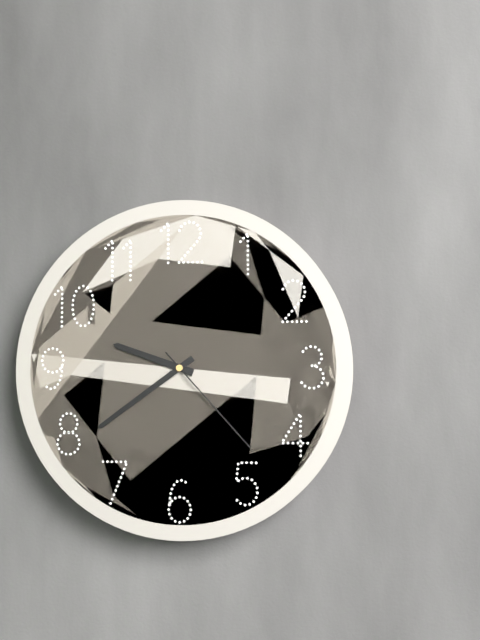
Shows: 9 h 39 min 23 s
